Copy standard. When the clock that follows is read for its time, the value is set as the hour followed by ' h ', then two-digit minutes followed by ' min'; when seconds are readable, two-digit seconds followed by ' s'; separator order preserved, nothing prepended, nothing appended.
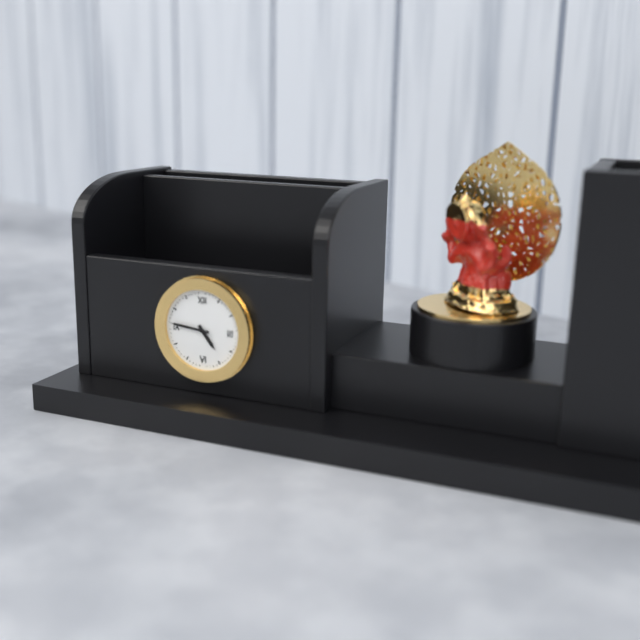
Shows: 4 h 46 min
